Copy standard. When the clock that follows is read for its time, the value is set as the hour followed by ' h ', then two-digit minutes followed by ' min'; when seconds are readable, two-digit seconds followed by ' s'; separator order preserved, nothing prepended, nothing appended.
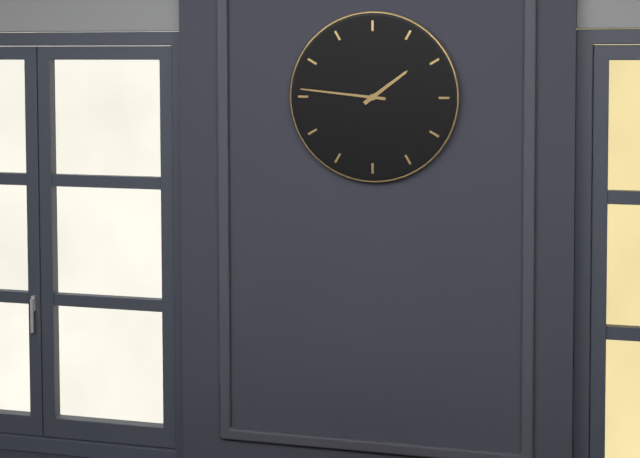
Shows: 1 h 46 min
